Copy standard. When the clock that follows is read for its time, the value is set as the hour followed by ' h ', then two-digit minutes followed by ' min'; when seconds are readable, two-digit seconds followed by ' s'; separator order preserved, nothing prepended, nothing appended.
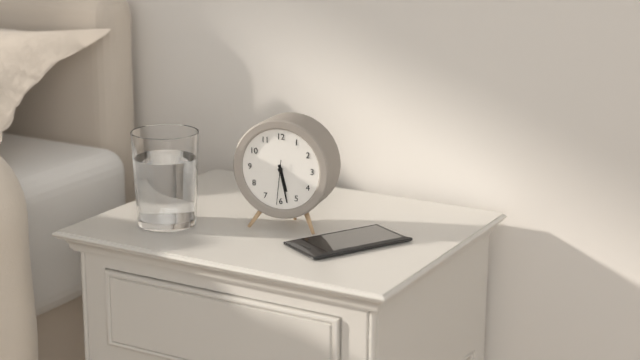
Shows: 5 h 28 min 31 s
